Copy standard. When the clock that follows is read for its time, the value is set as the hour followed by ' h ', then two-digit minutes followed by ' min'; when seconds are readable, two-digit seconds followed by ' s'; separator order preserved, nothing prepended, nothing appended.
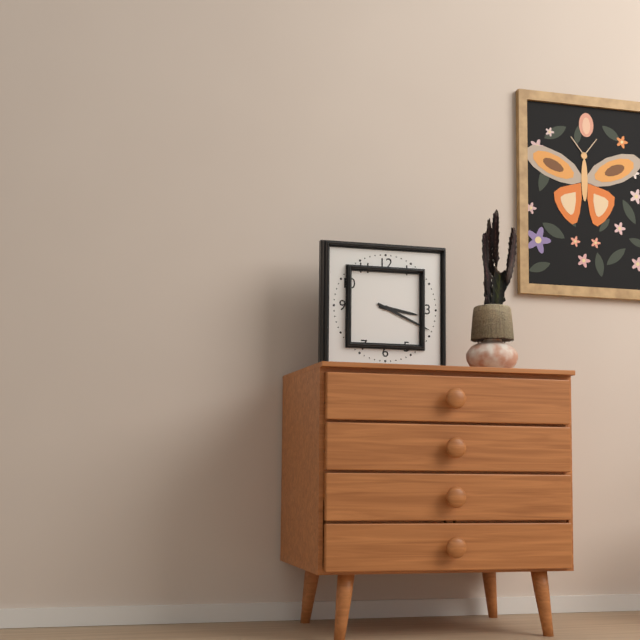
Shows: 3 h 19 min
